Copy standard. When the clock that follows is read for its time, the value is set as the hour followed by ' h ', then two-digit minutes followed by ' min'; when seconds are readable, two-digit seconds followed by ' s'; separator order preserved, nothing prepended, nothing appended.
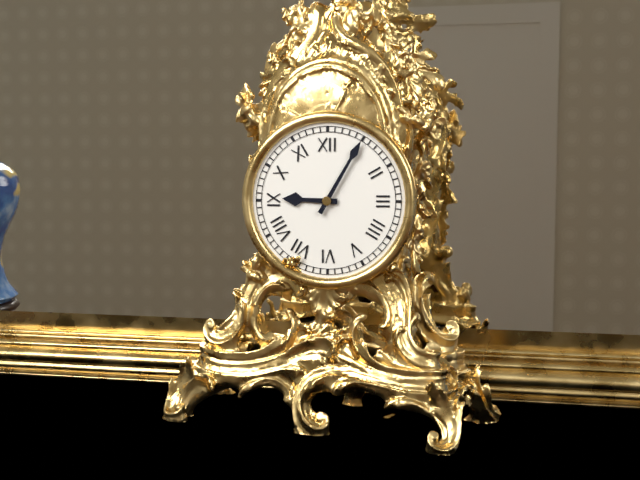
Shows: 9 h 05 min
